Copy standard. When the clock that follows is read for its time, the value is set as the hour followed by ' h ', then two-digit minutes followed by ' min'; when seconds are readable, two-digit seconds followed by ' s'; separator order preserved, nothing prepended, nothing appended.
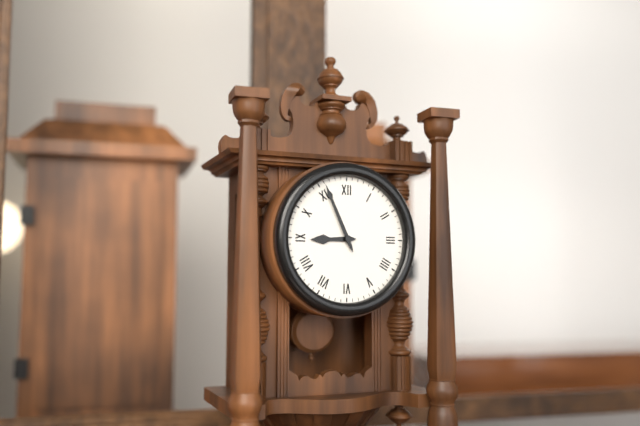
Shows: 8 h 56 min
